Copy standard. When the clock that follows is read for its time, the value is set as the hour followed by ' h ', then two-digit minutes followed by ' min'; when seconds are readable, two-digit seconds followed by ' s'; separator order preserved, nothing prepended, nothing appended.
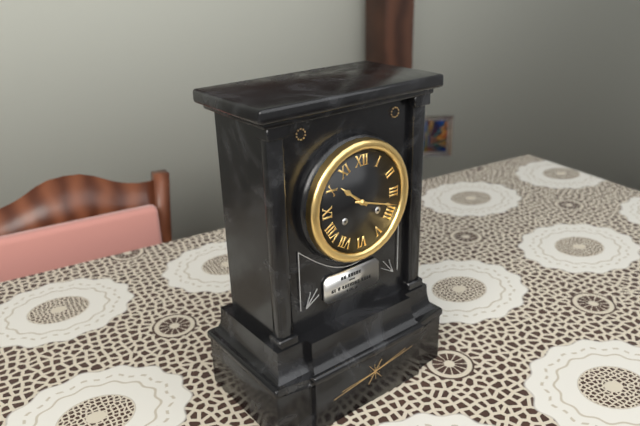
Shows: 10 h 18 min
